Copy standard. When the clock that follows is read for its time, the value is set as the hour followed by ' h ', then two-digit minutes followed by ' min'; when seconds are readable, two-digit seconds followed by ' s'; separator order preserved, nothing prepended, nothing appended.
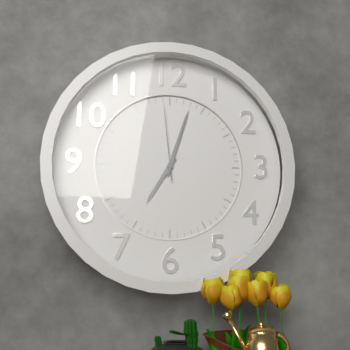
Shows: 7 h 03 min 59 s
